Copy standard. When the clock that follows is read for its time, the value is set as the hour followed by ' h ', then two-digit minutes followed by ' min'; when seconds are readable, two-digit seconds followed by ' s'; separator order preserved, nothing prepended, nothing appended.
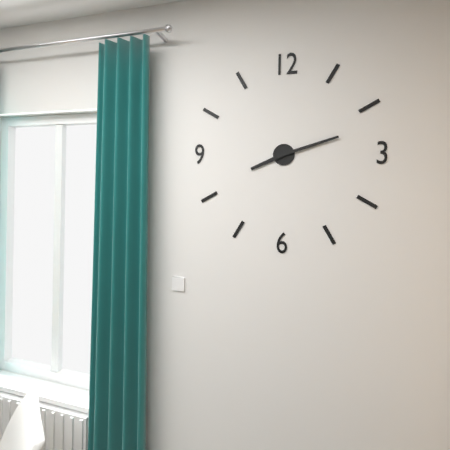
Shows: 8 h 12 min
